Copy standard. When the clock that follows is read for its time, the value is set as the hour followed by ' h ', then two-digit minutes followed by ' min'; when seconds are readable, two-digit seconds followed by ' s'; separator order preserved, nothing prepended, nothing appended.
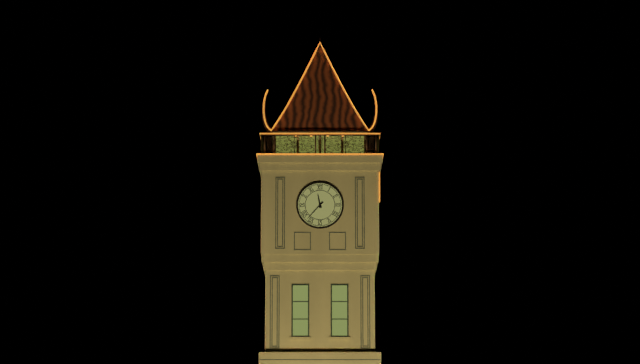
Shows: 11 h 37 min
